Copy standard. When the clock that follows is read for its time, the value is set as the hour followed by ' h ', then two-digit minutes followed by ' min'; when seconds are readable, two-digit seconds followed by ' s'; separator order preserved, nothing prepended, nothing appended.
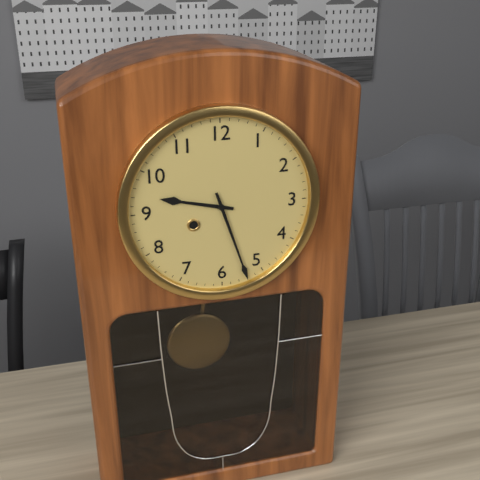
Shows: 9 h 27 min
